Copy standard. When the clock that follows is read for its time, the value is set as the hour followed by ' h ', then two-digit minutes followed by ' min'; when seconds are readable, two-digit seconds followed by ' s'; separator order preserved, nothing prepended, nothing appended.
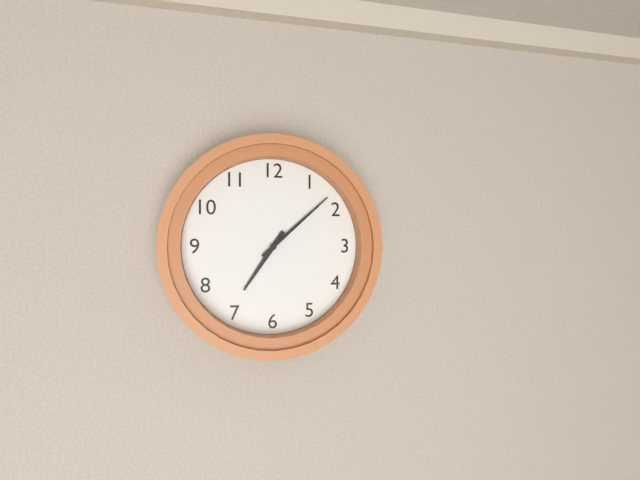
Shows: 7 h 08 min
